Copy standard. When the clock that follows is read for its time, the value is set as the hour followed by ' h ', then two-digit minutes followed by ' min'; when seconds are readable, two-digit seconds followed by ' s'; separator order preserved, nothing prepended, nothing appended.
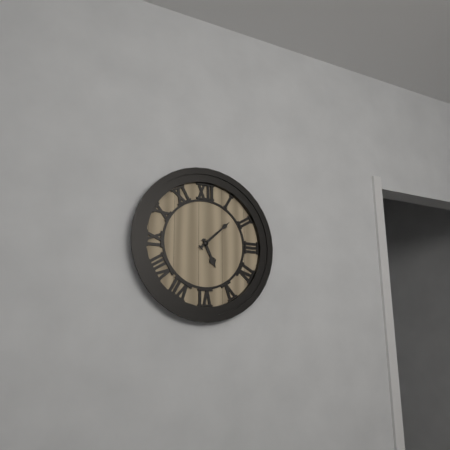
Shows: 5 h 08 min
